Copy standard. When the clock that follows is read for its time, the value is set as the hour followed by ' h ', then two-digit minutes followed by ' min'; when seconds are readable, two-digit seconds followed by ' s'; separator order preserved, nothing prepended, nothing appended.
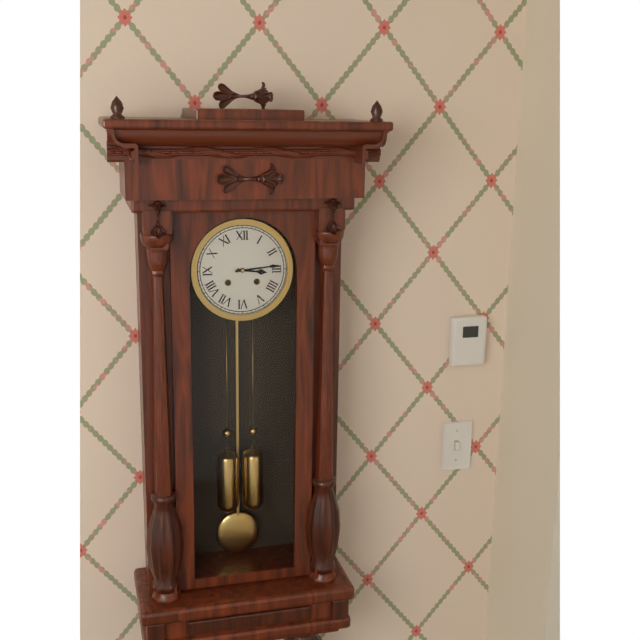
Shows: 3 h 14 min
